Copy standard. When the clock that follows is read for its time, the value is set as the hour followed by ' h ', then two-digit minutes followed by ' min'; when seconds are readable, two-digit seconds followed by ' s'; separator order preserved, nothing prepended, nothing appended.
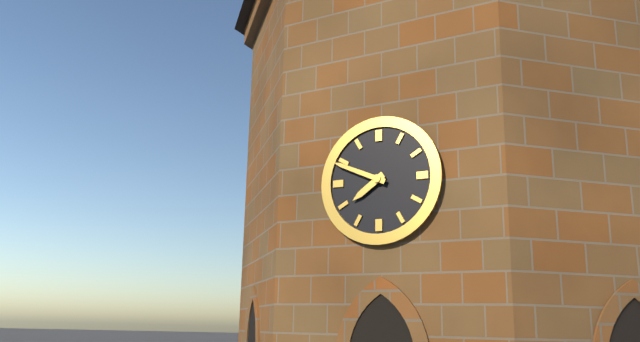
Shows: 7 h 49 min
